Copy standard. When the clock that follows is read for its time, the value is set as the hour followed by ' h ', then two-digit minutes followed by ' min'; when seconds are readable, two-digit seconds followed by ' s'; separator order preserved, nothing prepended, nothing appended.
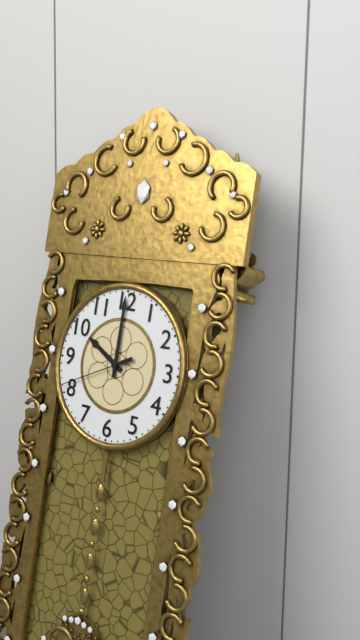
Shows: 10 h 00 min 41 s
